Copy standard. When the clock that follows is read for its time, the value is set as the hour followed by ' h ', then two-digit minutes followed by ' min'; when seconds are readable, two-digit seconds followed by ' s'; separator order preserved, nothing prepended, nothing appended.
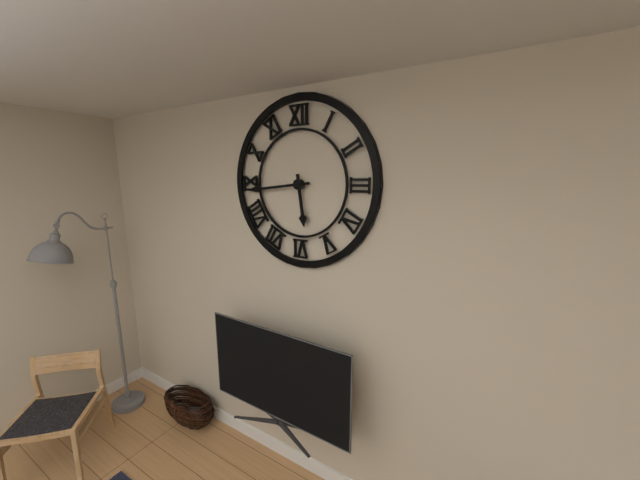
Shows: 5 h 44 min
